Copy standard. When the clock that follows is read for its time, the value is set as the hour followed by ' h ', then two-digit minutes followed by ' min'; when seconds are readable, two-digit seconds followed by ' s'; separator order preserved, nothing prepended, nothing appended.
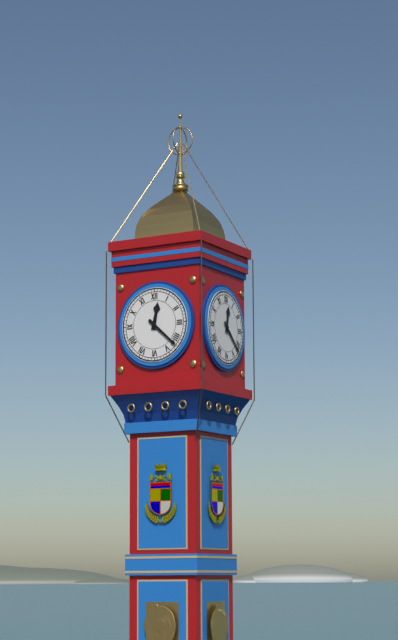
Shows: 12 h 22 min
